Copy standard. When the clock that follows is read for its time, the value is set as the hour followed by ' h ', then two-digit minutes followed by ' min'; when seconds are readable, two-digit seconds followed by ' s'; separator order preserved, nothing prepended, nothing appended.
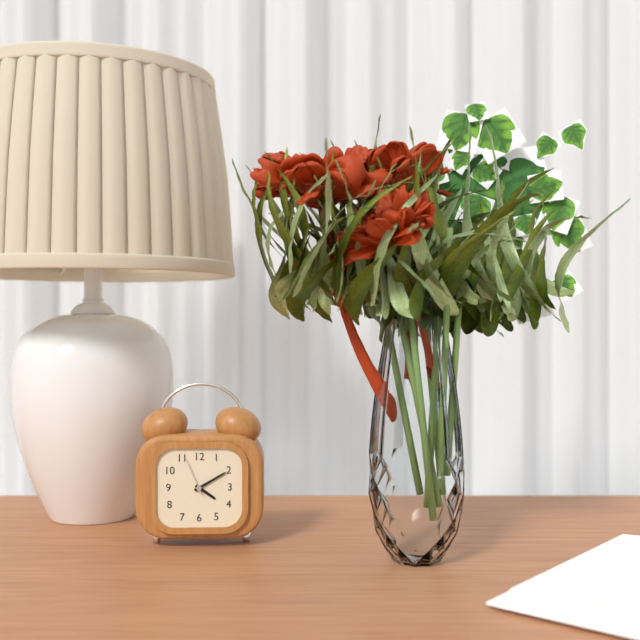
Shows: 4 h 10 min
